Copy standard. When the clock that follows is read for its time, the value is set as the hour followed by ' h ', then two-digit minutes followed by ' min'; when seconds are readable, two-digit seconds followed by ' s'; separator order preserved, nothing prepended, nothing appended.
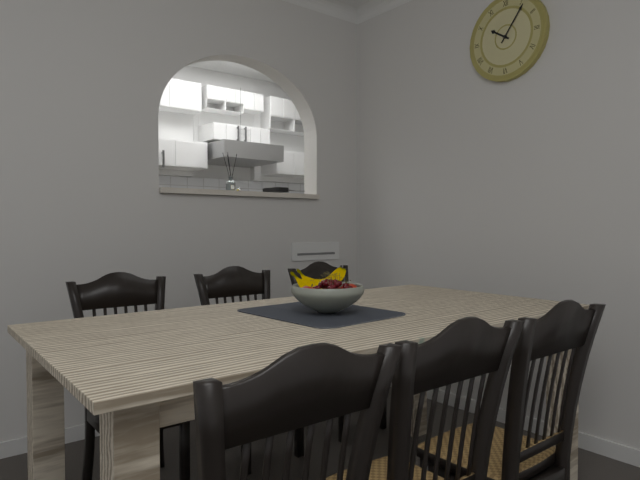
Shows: 10 h 06 min
